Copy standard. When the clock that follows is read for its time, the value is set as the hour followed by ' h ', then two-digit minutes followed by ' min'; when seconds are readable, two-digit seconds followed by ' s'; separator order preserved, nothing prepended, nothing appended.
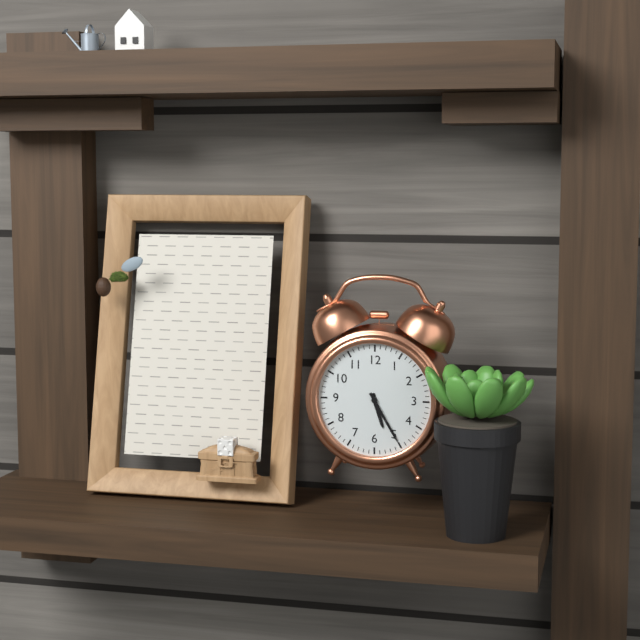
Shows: 5 h 25 min
